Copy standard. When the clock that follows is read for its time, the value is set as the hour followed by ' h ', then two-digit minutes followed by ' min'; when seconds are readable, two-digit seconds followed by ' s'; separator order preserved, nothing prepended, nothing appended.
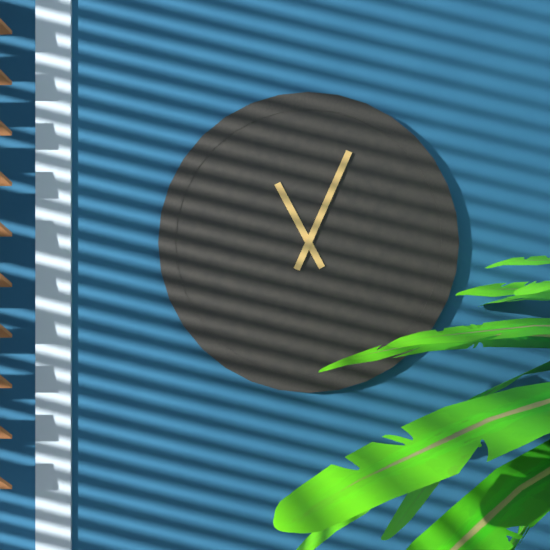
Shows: 11 h 04 min
